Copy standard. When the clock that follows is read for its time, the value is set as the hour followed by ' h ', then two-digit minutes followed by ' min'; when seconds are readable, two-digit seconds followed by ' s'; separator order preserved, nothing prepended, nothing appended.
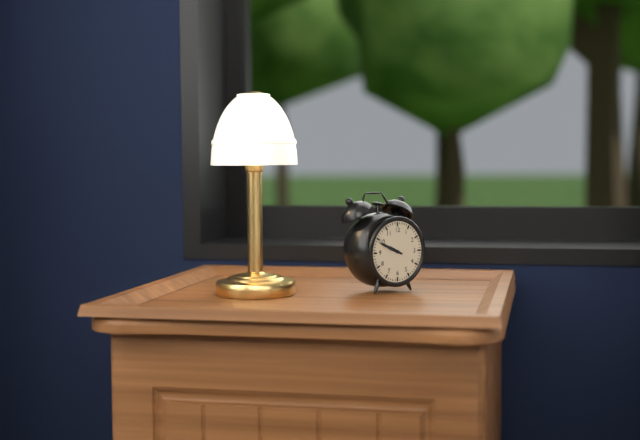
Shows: 9 h 49 min
